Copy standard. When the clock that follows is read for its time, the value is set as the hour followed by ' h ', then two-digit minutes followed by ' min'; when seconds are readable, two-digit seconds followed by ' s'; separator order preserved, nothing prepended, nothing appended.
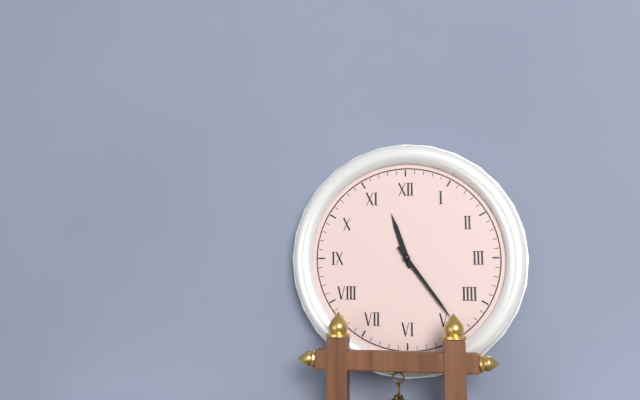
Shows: 11 h 24 min
